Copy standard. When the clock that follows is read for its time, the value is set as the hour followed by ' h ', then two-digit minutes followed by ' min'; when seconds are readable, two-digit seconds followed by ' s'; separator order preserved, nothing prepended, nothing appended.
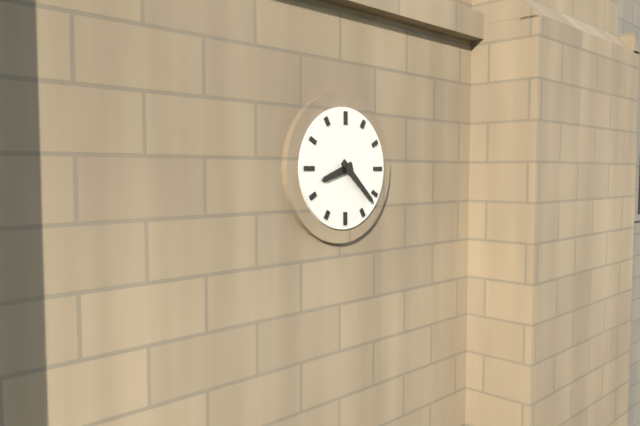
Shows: 8 h 22 min
